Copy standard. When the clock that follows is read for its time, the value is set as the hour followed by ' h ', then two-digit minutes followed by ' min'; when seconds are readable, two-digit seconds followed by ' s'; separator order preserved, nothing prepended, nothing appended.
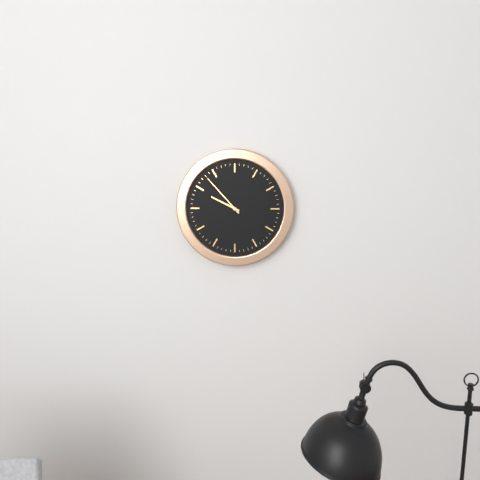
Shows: 9 h 53 min
